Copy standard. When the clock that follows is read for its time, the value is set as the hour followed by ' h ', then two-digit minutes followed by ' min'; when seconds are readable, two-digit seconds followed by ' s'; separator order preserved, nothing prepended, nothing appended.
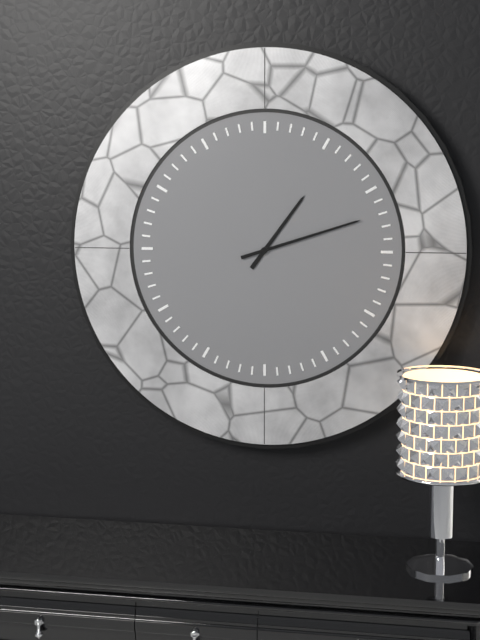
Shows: 1 h 12 min
